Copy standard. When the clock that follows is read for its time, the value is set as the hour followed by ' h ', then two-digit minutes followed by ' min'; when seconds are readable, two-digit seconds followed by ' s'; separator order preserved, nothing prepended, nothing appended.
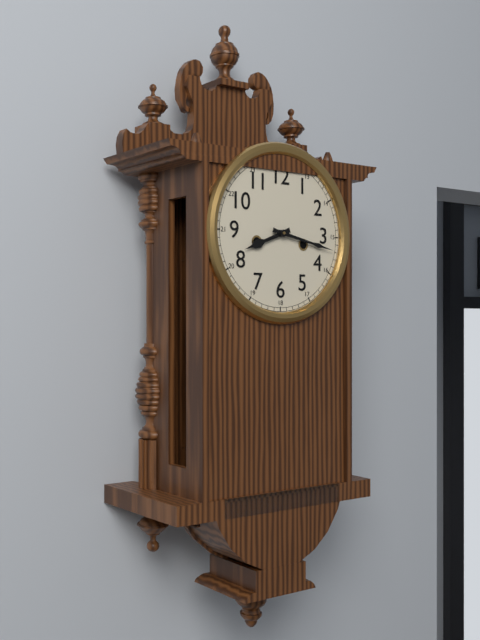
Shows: 8 h 17 min
